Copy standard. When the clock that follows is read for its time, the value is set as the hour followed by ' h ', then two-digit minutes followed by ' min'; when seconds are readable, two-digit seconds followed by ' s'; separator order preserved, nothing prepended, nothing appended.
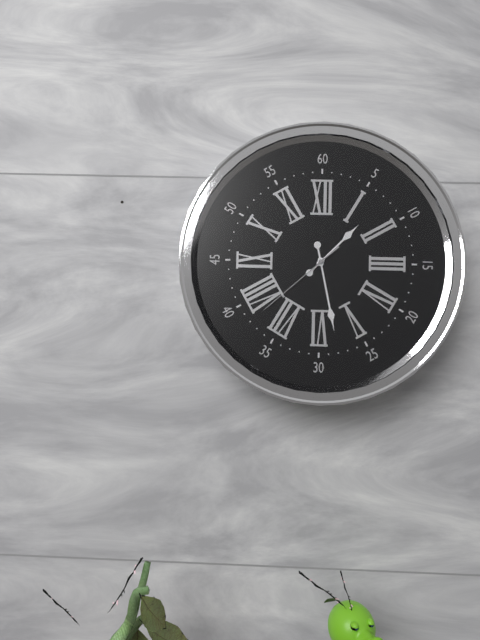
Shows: 1 h 28 min 38 s
